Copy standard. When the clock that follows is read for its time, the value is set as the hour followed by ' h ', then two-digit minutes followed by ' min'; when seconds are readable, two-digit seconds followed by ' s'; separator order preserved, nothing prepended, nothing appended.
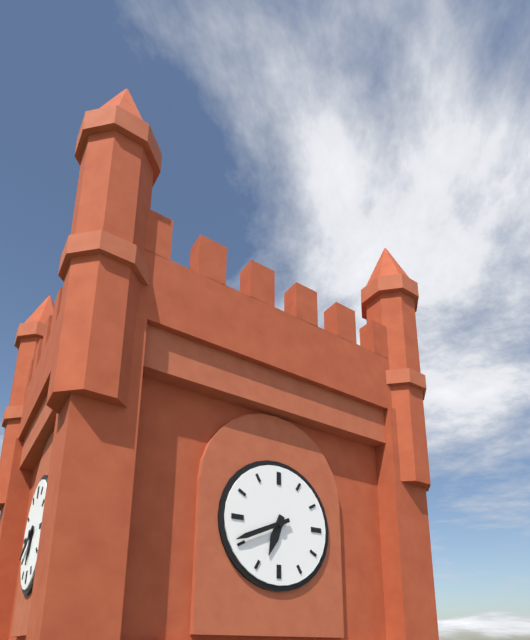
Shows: 6 h 41 min
